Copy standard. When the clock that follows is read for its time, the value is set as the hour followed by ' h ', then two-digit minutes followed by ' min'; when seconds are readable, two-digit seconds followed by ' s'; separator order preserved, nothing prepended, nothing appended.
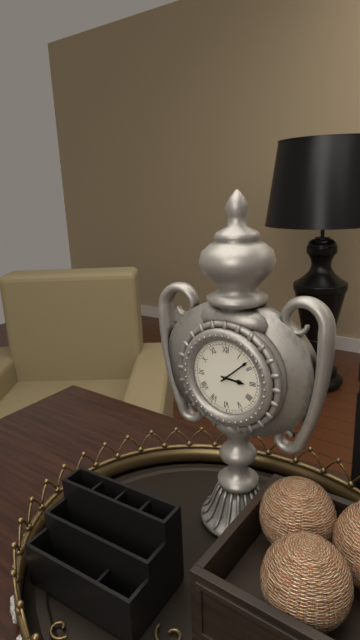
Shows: 3 h 08 min
